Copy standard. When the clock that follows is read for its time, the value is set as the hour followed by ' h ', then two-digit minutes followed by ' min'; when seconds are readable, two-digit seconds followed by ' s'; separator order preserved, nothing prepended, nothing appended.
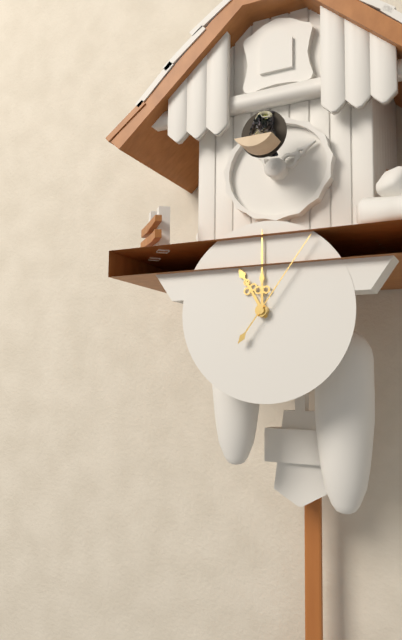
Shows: 11 h 00 min 06 s
